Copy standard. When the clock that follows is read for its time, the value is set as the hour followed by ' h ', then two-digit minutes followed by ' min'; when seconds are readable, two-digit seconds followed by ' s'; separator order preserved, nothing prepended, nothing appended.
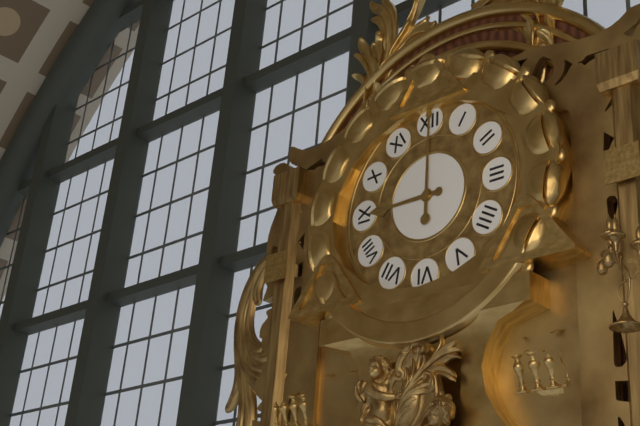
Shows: 9 h 00 min
